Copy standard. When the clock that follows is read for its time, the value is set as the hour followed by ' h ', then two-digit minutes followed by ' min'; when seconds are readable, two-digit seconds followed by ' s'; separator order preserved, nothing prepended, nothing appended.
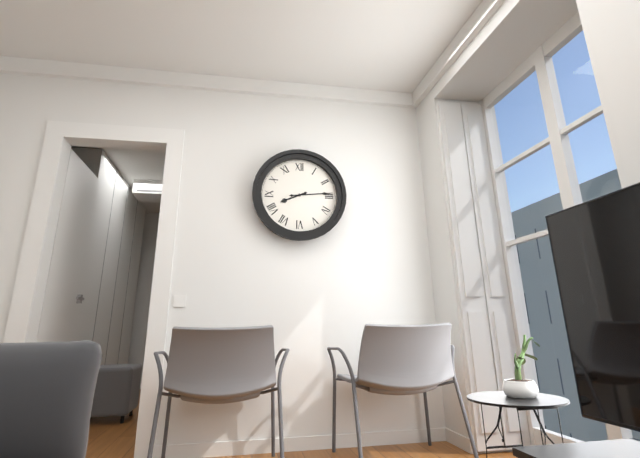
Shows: 8 h 14 min
